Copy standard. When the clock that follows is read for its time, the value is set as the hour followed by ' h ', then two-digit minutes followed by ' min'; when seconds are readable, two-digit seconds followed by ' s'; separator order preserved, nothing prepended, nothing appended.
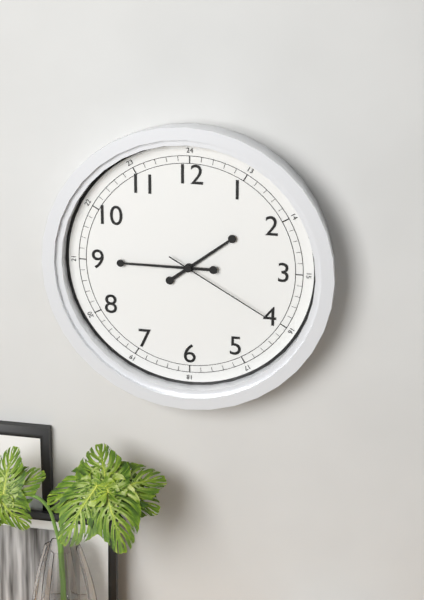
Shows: 1 h 45 min 20 s
